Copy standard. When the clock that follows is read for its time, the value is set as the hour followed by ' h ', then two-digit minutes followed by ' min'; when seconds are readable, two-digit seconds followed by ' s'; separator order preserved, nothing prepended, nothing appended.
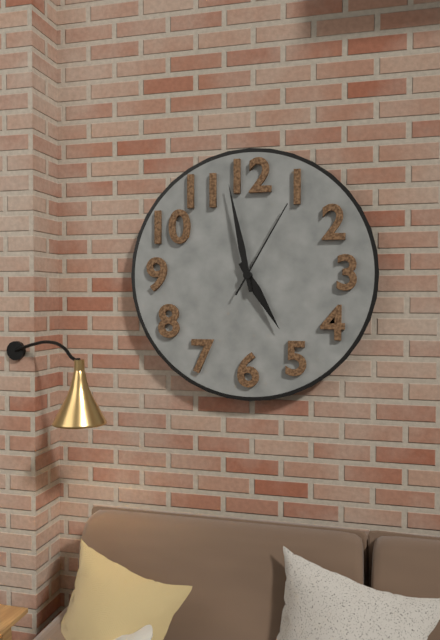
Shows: 4 h 58 min 05 s
